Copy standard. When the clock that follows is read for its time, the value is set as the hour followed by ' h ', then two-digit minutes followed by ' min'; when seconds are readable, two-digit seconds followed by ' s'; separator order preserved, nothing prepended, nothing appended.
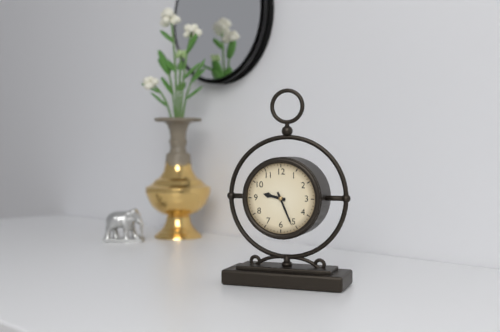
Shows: 9 h 26 min
